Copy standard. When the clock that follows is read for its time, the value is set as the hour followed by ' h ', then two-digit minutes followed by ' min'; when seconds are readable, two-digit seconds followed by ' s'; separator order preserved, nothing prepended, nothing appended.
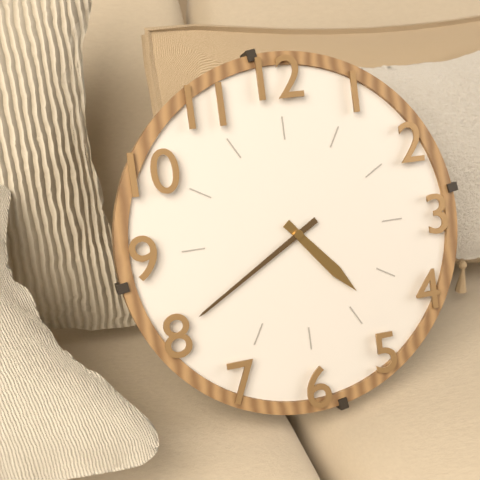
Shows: 4 h 40 min
